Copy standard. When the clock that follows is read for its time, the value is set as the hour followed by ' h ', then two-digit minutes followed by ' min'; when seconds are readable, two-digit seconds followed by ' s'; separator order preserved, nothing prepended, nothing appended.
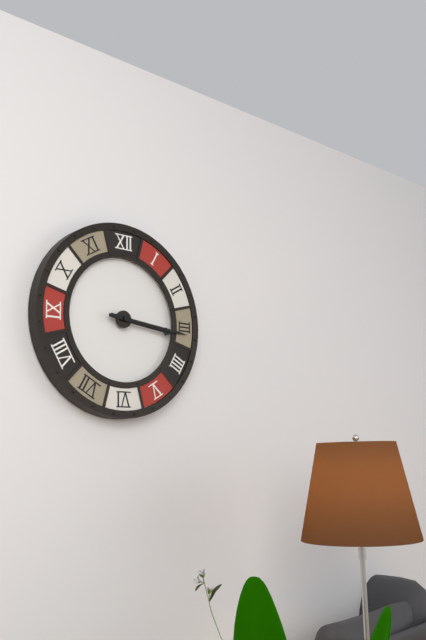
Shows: 3 h 16 min
